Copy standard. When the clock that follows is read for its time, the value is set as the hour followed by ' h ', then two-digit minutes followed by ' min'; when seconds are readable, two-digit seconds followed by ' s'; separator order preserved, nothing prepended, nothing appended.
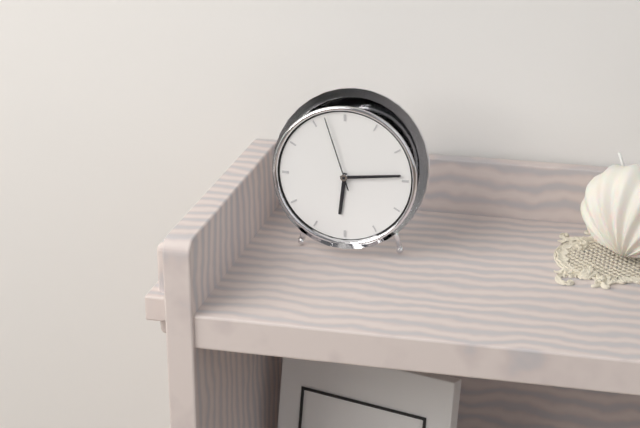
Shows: 6 h 14 min 57 s
